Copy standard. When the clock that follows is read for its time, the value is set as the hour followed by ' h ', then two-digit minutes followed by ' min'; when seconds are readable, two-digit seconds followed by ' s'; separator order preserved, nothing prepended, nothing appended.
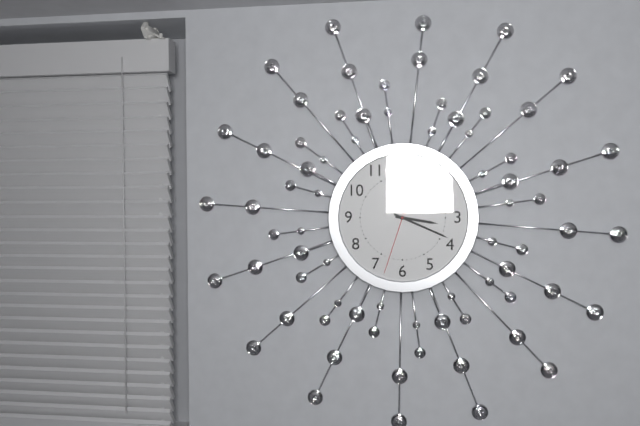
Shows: 3 h 19 min 33 s
